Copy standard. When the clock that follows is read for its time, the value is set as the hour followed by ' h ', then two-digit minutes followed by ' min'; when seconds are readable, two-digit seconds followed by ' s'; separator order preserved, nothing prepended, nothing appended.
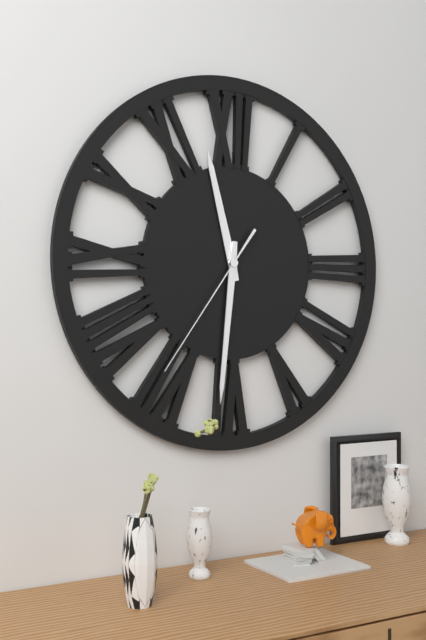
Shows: 11 h 31 min 36 s
